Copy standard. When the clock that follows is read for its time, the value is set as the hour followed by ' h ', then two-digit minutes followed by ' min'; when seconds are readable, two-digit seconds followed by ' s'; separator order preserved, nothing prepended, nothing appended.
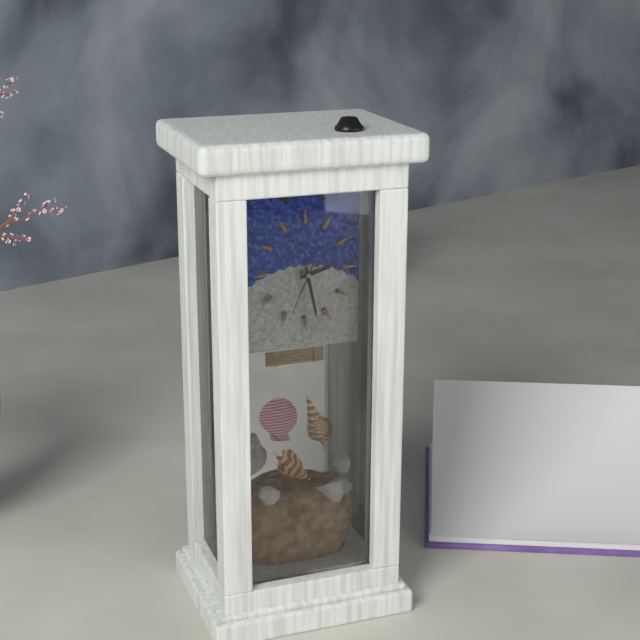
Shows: 2 h 28 min 34 s
